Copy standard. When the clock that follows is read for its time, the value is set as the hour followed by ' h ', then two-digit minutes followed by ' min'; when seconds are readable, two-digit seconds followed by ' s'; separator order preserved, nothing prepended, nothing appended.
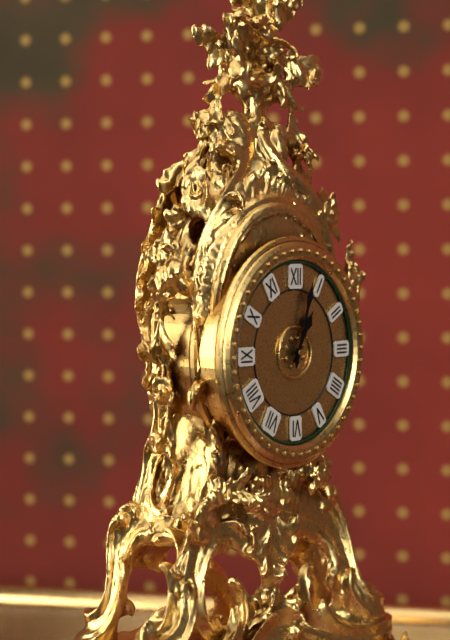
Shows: 1 h 03 min
